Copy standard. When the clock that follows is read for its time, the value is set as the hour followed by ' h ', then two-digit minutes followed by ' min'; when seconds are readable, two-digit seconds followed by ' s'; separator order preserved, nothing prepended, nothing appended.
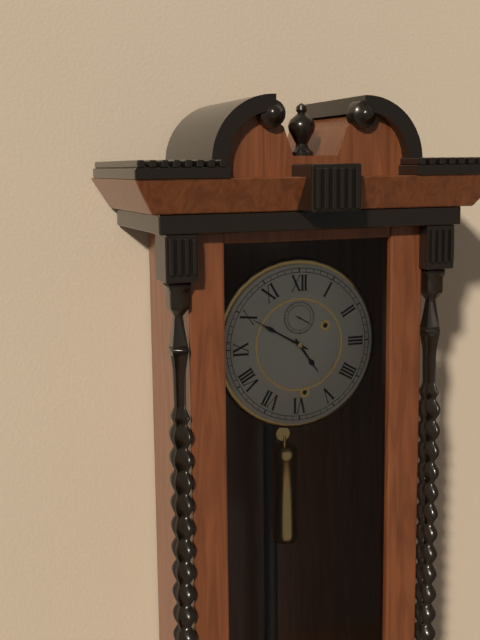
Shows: 4 h 50 min
